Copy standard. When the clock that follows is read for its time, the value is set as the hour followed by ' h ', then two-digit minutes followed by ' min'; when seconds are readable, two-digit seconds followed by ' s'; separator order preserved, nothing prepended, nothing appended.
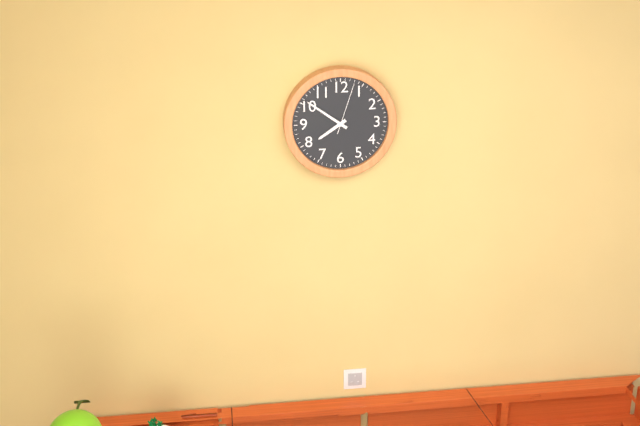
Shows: 7 h 51 min 03 s
